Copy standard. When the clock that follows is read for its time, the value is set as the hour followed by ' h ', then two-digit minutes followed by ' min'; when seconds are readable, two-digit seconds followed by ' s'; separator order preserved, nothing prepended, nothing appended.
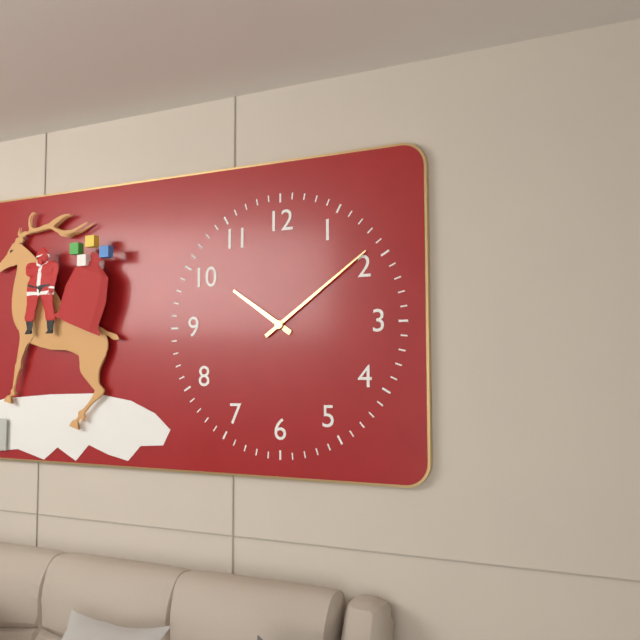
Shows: 10 h 09 min
